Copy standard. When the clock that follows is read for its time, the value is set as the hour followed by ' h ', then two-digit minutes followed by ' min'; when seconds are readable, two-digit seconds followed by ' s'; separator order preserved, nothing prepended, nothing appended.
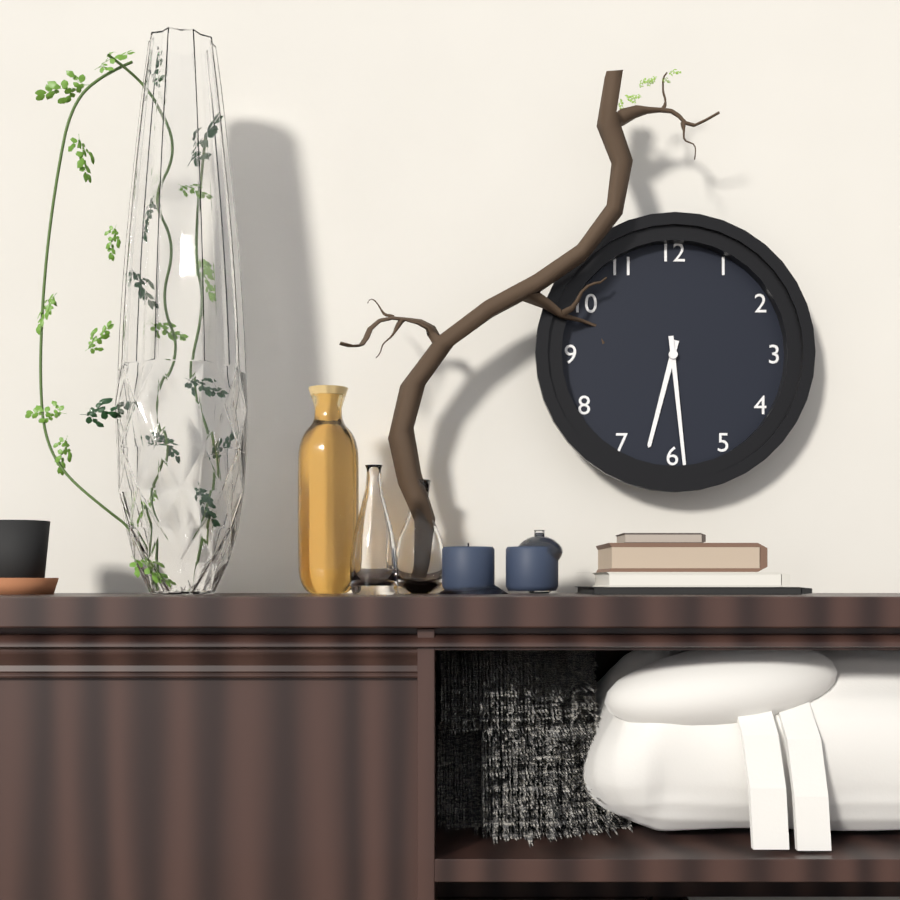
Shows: 6 h 29 min
